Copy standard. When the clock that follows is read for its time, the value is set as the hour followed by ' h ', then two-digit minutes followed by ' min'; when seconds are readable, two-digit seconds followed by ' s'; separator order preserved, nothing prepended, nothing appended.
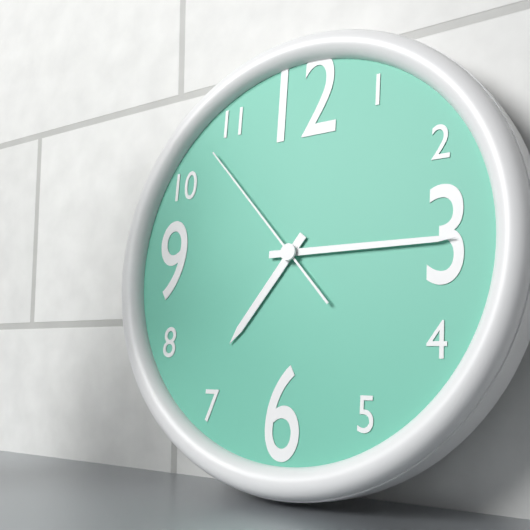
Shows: 7 h 15 min 53 s
